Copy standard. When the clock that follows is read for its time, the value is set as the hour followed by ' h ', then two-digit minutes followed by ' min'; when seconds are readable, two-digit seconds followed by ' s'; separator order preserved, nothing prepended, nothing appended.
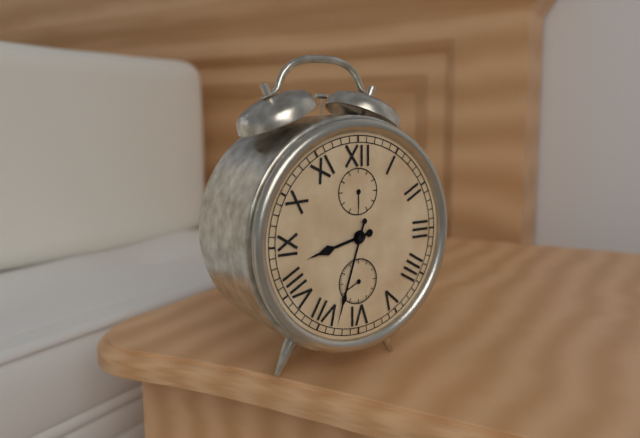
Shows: 8 h 33 min
